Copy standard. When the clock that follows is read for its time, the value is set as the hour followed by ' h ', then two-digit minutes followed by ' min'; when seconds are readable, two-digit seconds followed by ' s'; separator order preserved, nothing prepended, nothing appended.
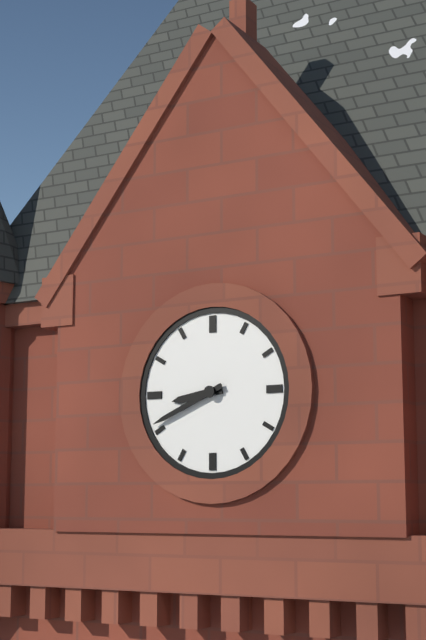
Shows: 8 h 41 min
